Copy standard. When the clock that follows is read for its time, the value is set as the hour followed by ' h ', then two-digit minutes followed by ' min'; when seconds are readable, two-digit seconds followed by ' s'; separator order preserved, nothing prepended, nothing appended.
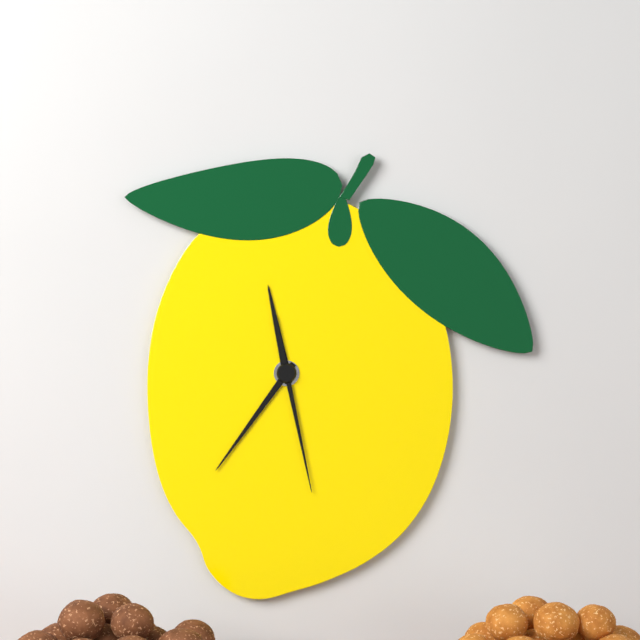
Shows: 11 h 36 min 28 s
